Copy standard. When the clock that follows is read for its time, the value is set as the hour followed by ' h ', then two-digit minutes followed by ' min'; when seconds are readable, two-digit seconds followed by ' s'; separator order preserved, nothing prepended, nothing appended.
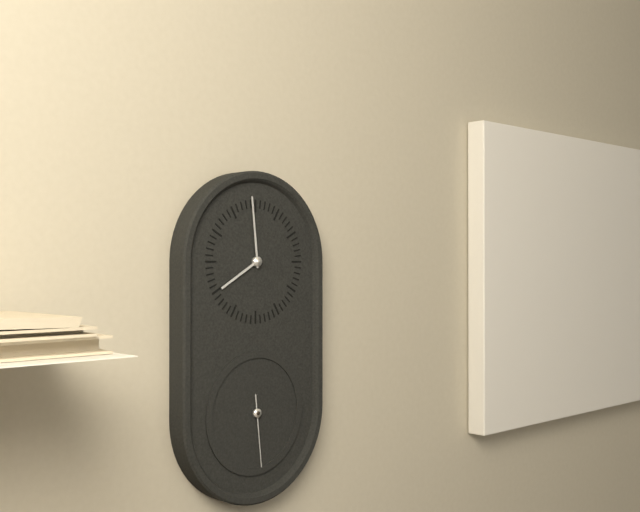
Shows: 7 h 59 min 29 s
